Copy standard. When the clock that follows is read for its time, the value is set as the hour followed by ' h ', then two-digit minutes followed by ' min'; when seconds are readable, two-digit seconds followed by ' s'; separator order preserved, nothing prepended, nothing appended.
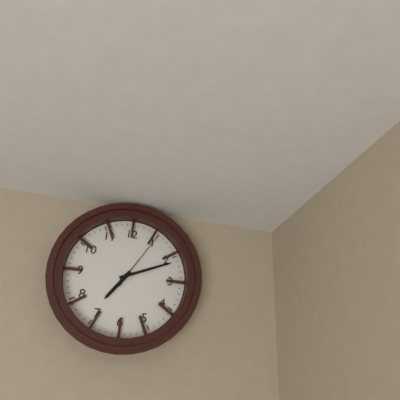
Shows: 7 h 11 min 05 s
